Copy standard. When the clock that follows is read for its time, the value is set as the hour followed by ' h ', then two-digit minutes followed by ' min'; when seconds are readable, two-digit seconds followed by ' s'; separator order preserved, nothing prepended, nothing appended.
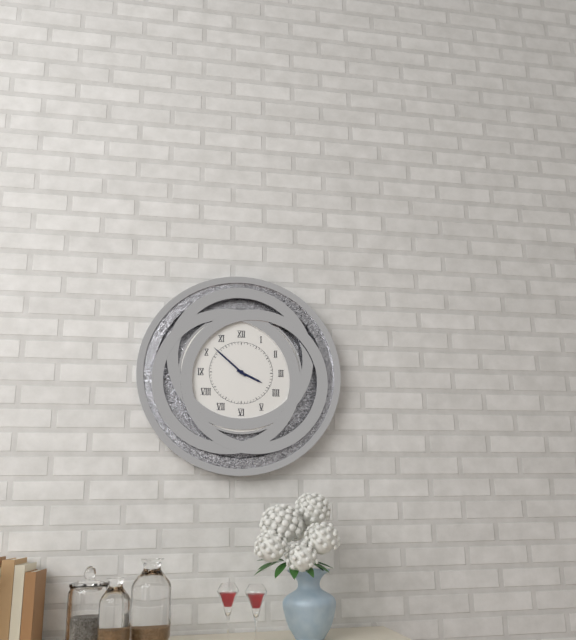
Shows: 3 h 52 min
